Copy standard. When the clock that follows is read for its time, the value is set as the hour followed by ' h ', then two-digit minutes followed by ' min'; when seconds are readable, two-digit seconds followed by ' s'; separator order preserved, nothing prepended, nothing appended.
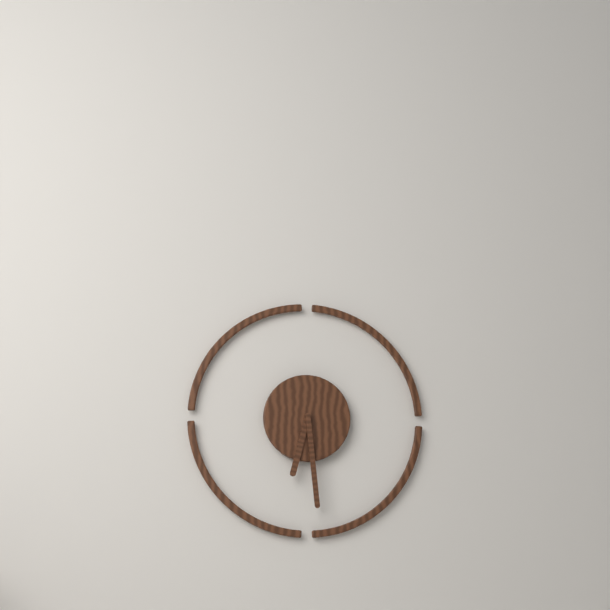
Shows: 6 h 29 min
